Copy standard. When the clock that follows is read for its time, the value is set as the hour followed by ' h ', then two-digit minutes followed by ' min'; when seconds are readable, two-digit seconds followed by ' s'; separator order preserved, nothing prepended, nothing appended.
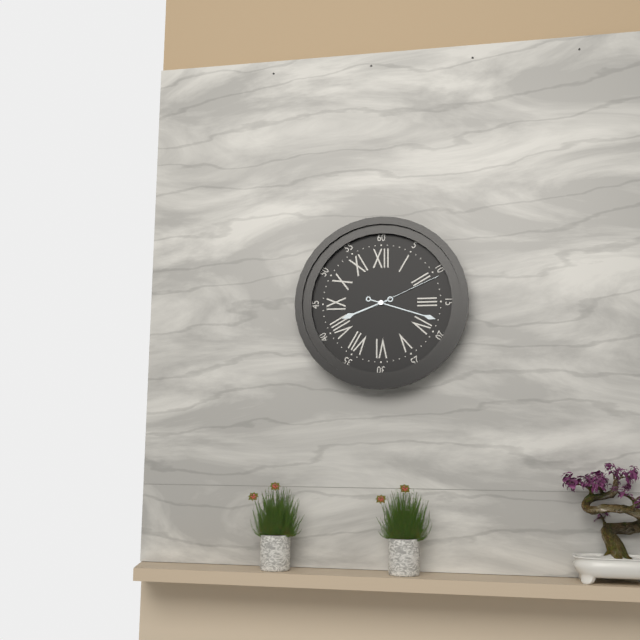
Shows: 8 h 18 min 11 s
